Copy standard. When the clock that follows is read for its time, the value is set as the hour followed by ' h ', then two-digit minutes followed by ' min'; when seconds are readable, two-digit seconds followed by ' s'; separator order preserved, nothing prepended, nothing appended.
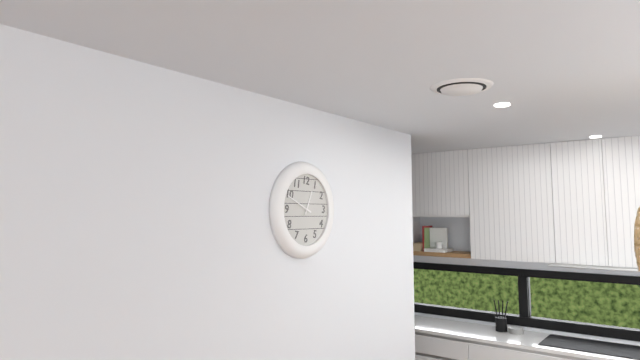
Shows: 12 h 49 min
